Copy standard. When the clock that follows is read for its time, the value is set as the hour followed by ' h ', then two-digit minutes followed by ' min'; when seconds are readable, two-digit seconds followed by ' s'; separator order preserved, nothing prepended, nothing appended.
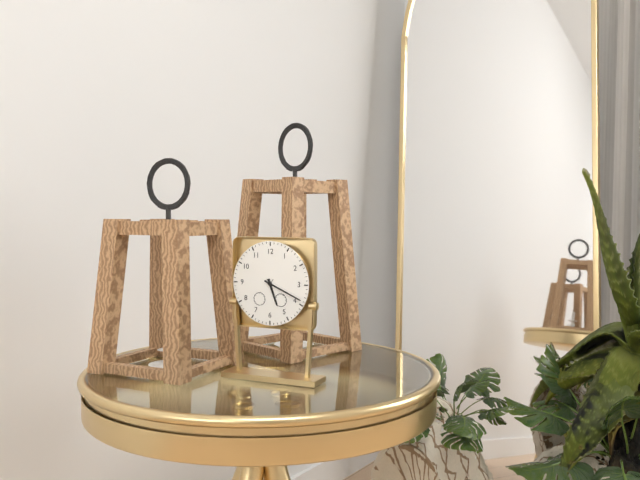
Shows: 5 h 19 min
